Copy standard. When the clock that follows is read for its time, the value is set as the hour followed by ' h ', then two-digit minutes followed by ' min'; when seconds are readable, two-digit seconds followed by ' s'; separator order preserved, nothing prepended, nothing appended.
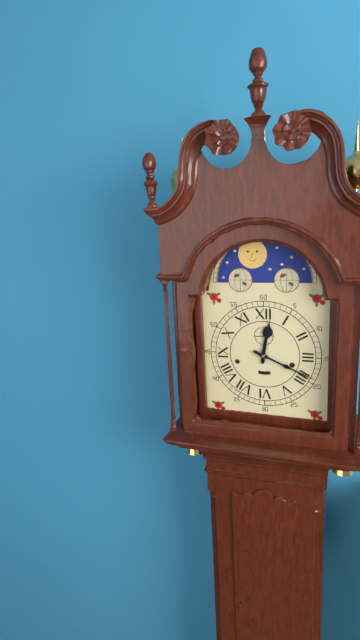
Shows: 12 h 19 min
